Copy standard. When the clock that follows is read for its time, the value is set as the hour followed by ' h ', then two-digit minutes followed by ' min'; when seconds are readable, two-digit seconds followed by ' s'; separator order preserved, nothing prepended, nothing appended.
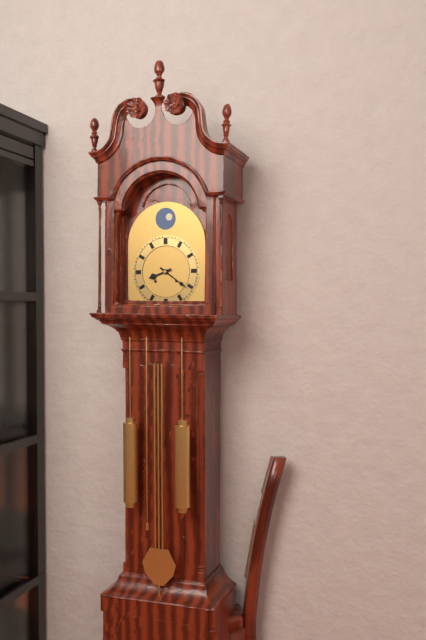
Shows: 8 h 21 min
